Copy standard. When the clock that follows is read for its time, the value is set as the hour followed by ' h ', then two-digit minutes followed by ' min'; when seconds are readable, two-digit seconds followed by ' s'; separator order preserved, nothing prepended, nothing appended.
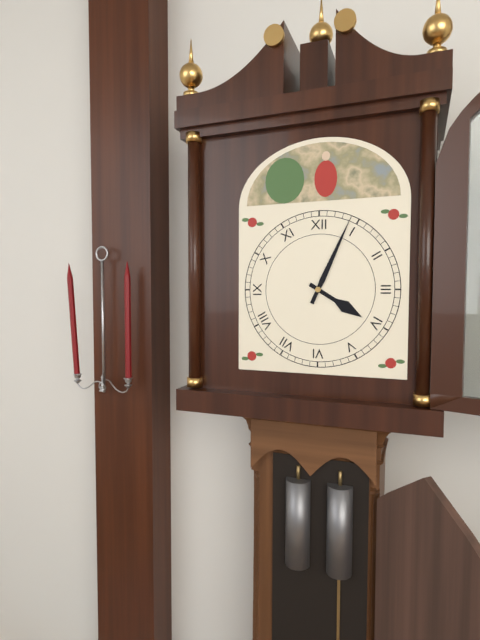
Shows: 4 h 04 min
